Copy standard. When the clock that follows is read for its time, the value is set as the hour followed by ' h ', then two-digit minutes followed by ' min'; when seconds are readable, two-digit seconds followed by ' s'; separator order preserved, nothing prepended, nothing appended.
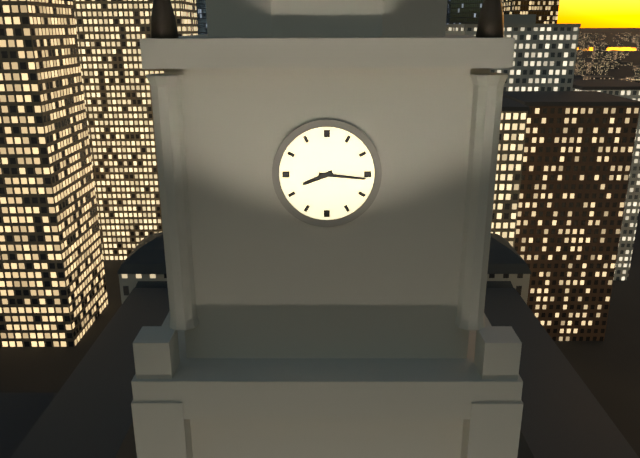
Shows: 8 h 16 min
